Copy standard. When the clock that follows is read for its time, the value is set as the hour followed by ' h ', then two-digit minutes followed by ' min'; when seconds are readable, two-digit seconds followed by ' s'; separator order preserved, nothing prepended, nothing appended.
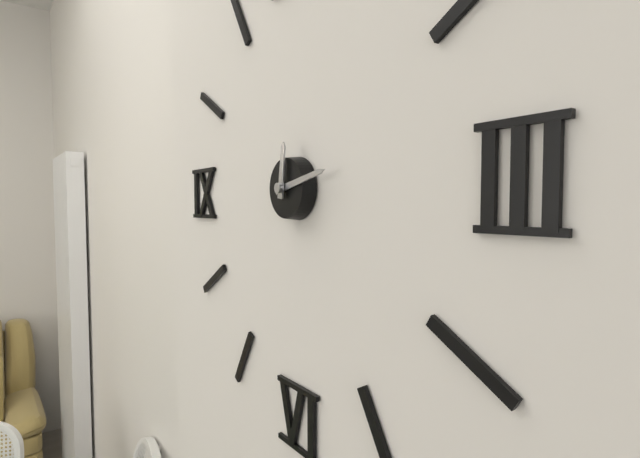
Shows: 12 h 13 min
